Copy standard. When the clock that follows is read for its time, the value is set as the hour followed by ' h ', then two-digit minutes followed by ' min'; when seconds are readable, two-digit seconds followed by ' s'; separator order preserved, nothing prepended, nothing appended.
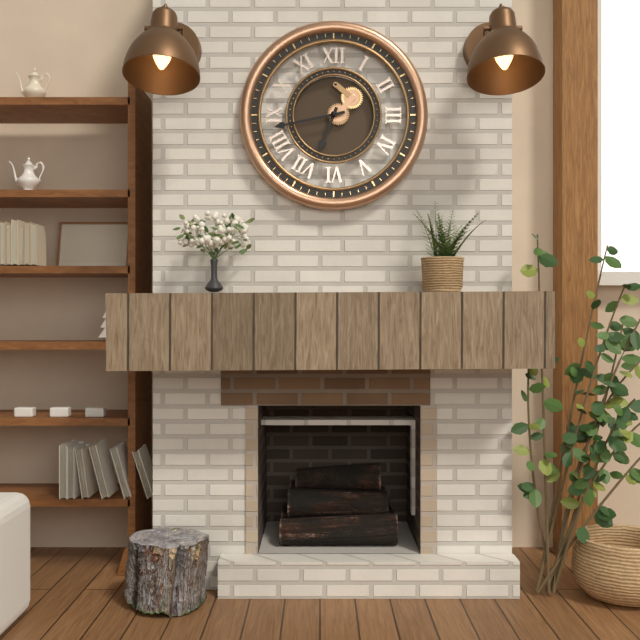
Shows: 6 h 43 min
